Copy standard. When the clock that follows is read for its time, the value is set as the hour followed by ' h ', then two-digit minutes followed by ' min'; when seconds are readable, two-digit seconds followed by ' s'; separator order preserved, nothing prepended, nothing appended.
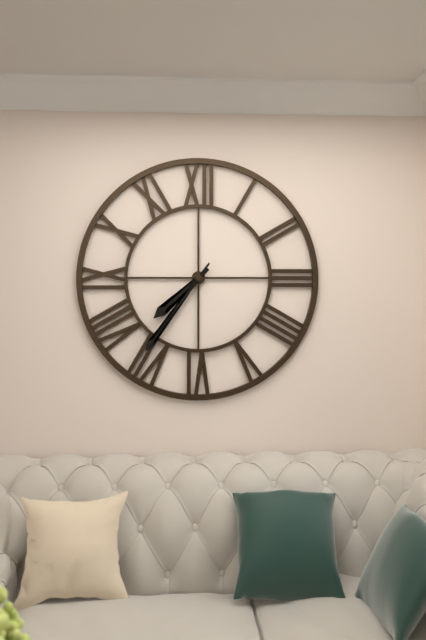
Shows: 7 h 36 min
